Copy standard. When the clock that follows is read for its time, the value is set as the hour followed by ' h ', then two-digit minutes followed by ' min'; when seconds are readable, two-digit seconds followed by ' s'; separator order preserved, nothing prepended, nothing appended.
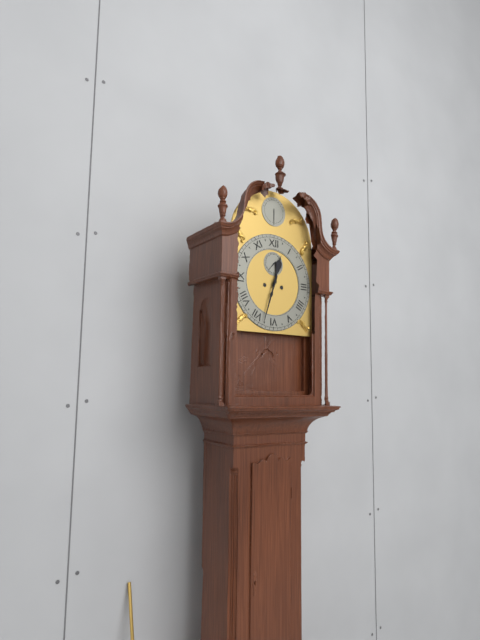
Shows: 12 h 33 min
